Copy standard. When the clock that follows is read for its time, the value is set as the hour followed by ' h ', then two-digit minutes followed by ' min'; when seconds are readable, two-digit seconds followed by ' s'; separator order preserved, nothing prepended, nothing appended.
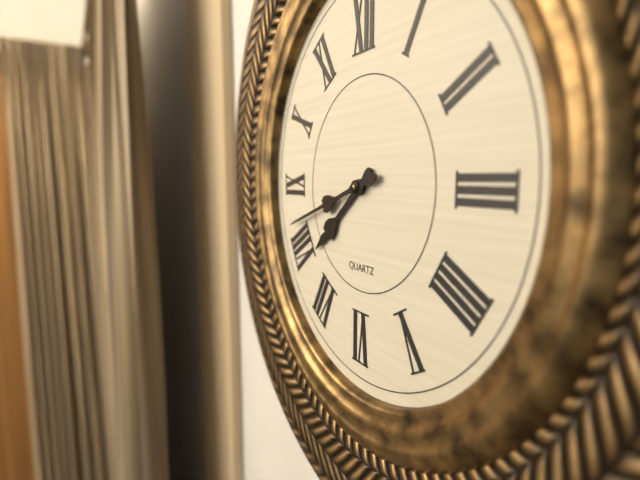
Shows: 7 h 42 min
